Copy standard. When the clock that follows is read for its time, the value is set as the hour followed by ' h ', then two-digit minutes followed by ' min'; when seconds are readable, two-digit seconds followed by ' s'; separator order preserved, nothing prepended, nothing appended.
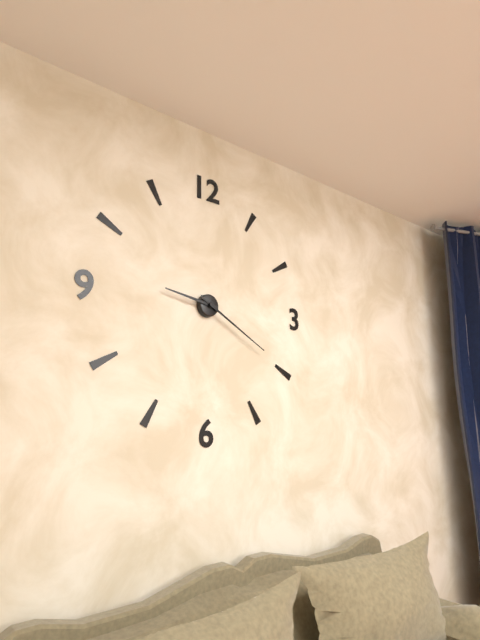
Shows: 9 h 20 min
